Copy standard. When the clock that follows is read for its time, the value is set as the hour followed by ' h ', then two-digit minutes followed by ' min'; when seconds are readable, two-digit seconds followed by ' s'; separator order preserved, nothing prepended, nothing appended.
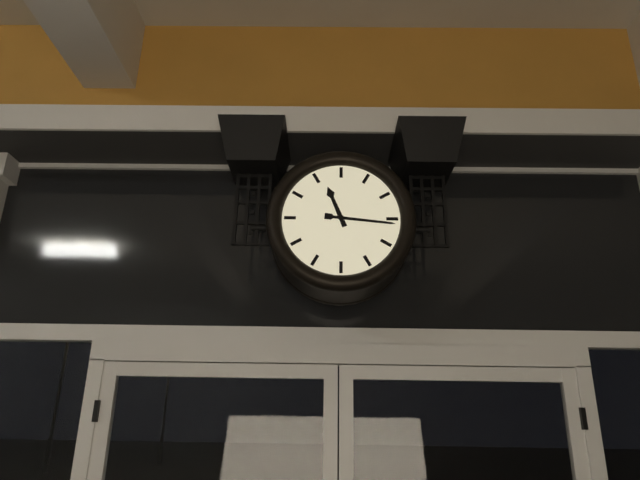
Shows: 11 h 16 min
